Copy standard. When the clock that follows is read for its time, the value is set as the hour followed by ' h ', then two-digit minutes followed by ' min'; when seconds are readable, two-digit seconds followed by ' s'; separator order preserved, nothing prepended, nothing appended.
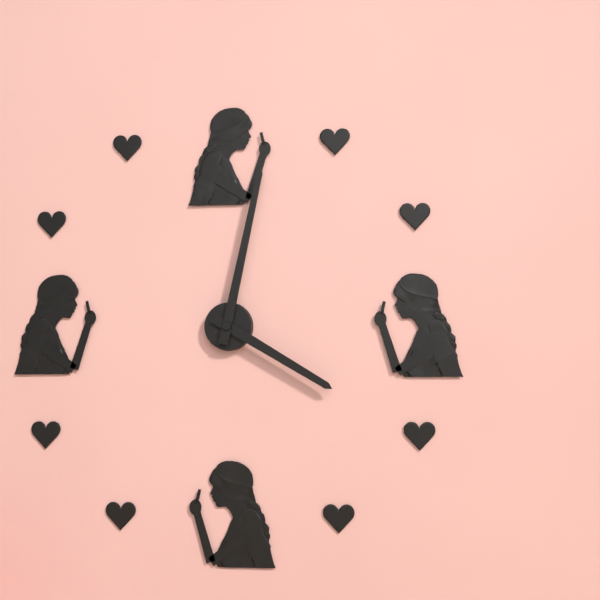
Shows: 4 h 02 min
